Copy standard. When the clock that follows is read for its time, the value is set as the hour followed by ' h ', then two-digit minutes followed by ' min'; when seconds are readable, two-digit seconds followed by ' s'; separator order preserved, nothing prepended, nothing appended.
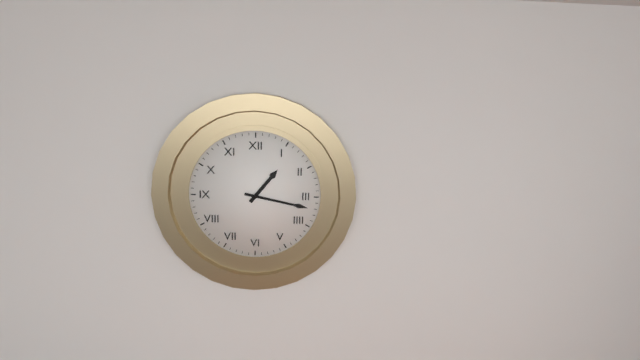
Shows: 1 h 17 min
